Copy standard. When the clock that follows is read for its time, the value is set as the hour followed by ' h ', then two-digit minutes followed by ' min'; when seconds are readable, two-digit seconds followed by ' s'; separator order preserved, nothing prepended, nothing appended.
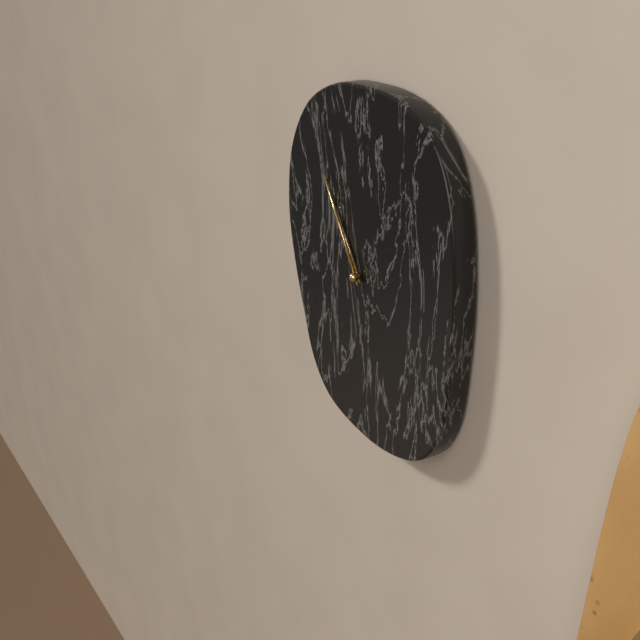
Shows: 10 h 55 min
